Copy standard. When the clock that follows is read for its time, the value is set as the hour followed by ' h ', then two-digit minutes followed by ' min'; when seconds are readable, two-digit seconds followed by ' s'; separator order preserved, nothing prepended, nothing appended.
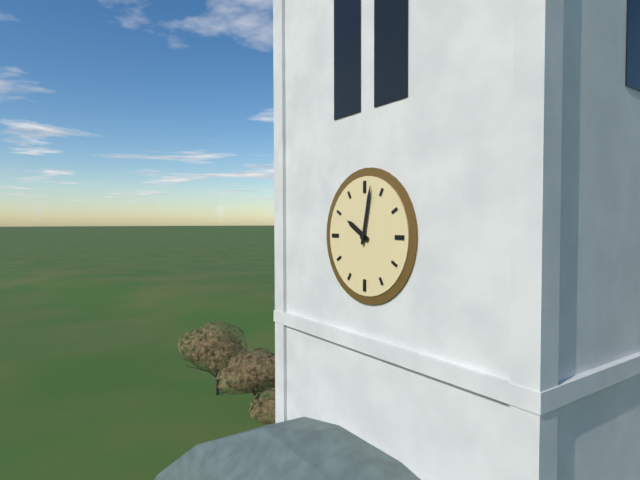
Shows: 10 h 02 min
